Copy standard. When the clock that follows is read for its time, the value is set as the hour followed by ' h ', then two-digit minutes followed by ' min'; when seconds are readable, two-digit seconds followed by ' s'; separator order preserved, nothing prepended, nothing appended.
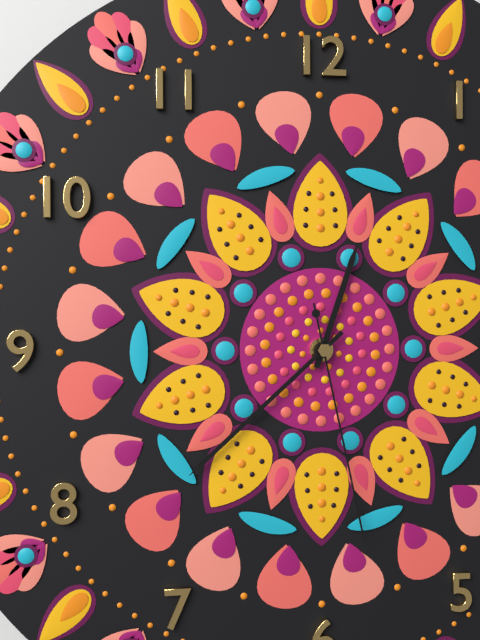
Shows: 12 h 38 min 28 s
